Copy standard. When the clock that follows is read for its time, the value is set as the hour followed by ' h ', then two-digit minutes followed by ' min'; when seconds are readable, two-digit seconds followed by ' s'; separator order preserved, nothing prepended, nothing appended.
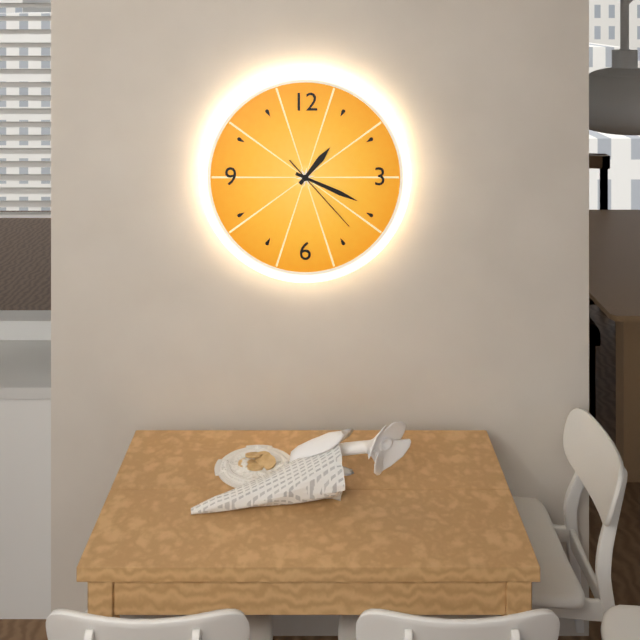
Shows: 1 h 19 min 23 s
